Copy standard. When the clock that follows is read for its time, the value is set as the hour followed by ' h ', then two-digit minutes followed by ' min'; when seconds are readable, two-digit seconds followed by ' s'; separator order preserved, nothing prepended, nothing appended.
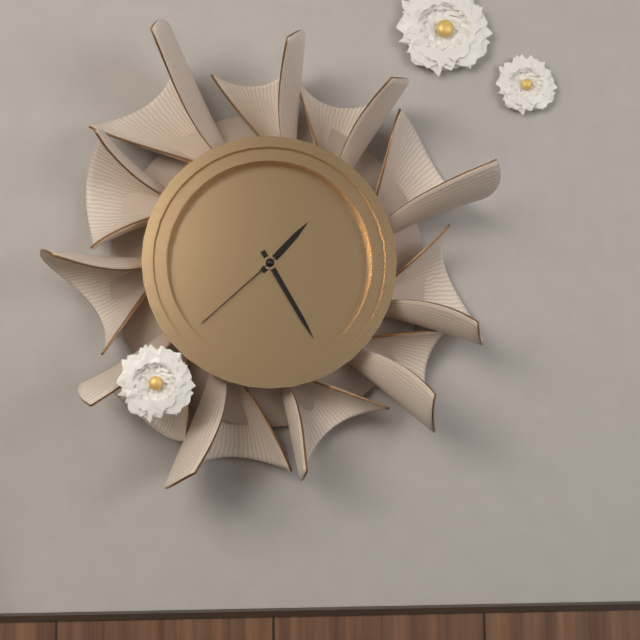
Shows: 1 h 25 min 38 s
